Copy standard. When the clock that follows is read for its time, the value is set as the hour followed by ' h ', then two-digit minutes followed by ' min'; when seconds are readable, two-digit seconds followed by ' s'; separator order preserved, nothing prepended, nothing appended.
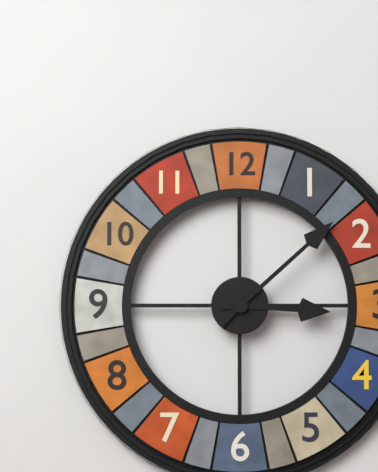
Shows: 3 h 08 min
